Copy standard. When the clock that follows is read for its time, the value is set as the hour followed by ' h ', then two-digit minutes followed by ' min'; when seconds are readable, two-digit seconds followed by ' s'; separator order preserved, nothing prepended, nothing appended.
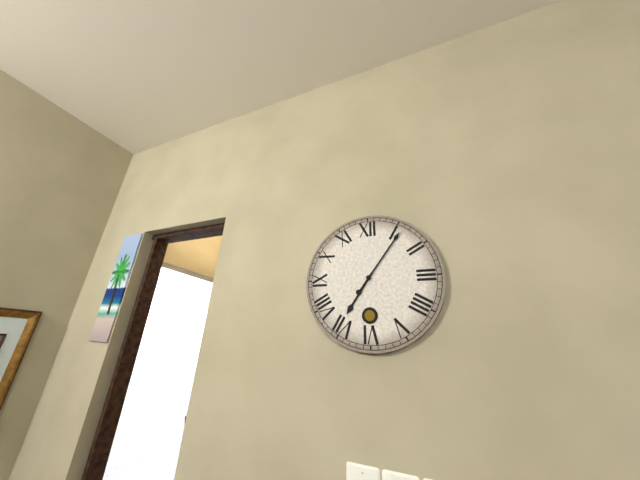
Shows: 7 h 06 min
